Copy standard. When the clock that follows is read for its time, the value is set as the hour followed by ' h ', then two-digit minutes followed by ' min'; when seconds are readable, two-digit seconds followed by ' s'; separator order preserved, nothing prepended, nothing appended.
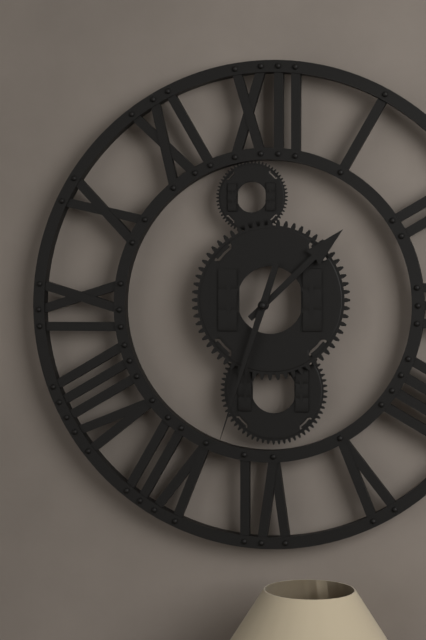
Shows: 1 h 33 min
